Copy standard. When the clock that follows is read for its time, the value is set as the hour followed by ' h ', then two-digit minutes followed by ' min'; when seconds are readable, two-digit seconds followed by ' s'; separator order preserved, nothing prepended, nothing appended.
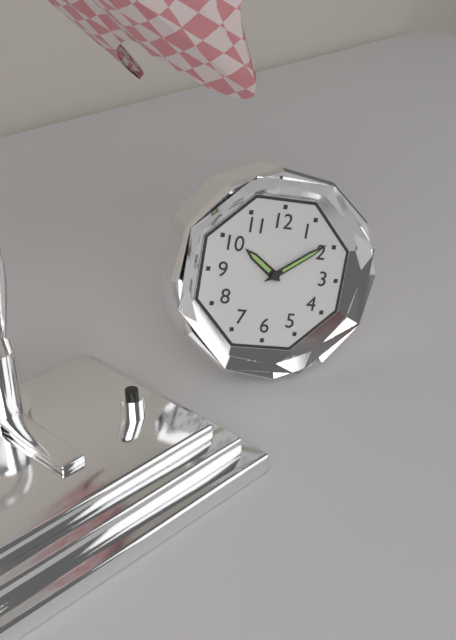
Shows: 10 h 09 min
